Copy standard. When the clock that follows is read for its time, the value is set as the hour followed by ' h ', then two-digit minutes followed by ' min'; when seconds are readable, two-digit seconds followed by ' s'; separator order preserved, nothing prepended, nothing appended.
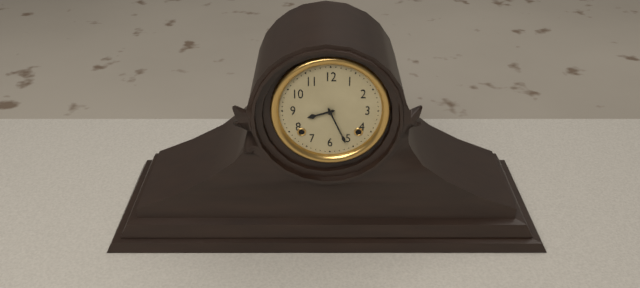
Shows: 8 h 26 min
